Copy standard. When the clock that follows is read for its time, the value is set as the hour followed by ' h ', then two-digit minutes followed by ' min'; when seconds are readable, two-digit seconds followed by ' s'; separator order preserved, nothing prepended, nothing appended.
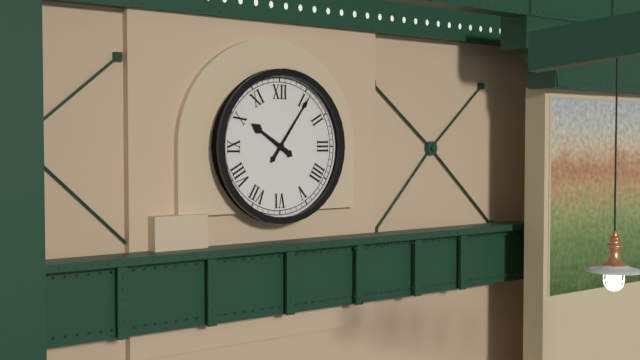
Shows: 10 h 06 min
